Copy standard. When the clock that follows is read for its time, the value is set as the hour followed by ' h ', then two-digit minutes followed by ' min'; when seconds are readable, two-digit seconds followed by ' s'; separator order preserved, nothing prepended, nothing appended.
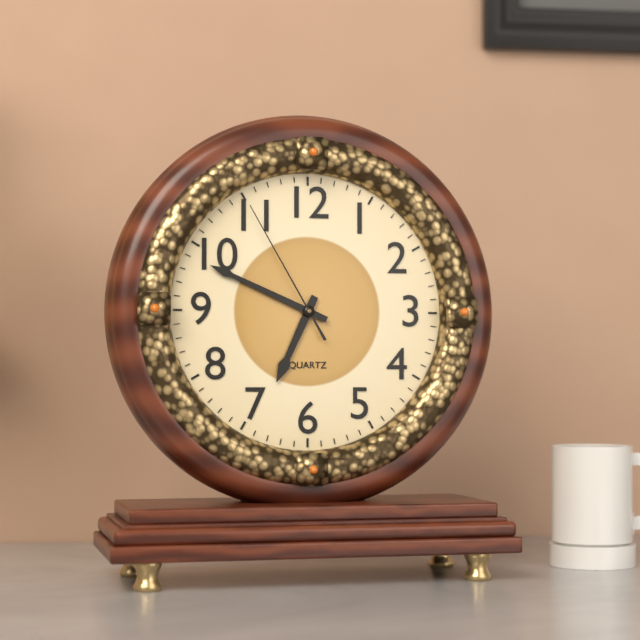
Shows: 6 h 49 min 55 s
